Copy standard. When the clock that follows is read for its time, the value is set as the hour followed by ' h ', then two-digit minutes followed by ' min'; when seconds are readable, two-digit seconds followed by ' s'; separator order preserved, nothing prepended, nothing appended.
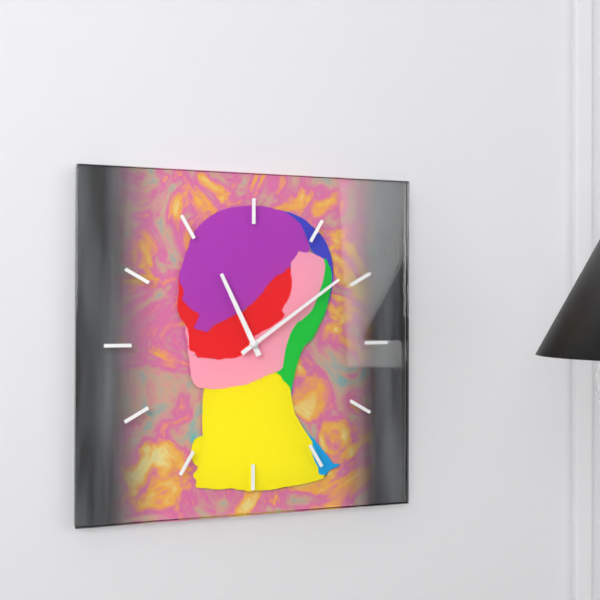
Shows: 11 h 09 min
